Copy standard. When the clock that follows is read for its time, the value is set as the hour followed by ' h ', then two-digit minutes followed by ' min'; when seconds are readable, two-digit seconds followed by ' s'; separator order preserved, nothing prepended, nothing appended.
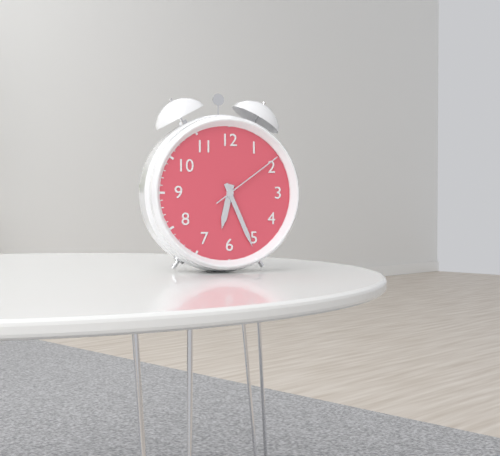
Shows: 6 h 26 min 09 s
